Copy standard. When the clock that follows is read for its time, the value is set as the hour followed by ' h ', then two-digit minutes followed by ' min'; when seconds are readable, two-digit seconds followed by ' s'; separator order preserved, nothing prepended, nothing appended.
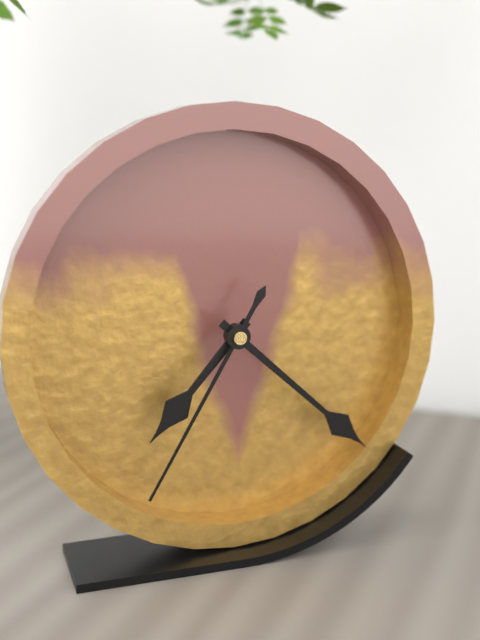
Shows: 7 h 22 min 35 s
